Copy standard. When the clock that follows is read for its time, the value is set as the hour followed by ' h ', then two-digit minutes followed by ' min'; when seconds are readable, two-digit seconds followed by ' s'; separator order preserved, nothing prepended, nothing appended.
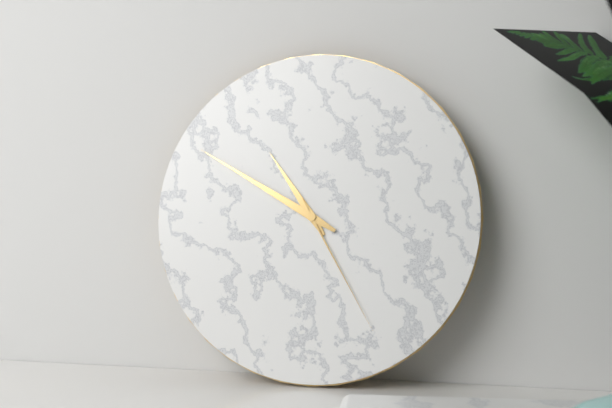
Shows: 10 h 50 min 25 s
